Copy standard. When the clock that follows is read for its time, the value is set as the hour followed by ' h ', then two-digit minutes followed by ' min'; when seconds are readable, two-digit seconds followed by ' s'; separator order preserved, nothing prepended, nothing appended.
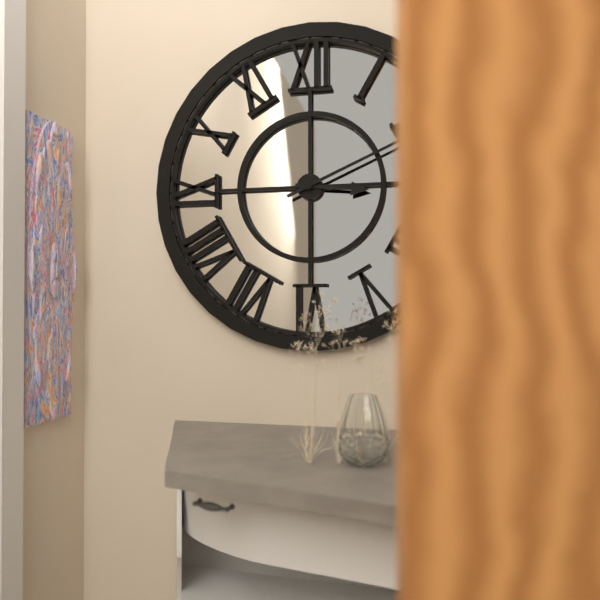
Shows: 3 h 11 min
